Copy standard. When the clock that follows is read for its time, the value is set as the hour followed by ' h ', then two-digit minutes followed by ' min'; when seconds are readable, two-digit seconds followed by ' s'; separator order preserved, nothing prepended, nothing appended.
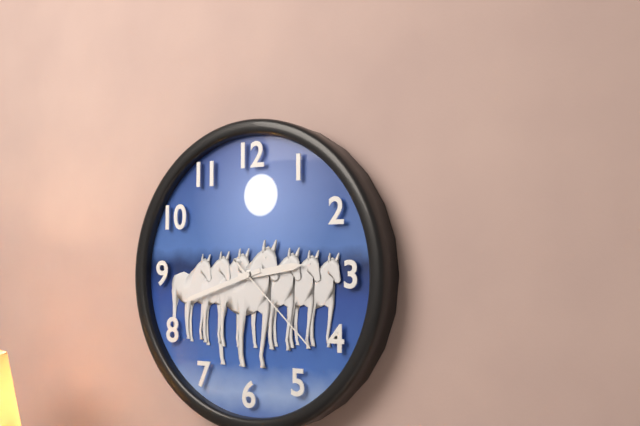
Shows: 2 h 42 min 22 s
